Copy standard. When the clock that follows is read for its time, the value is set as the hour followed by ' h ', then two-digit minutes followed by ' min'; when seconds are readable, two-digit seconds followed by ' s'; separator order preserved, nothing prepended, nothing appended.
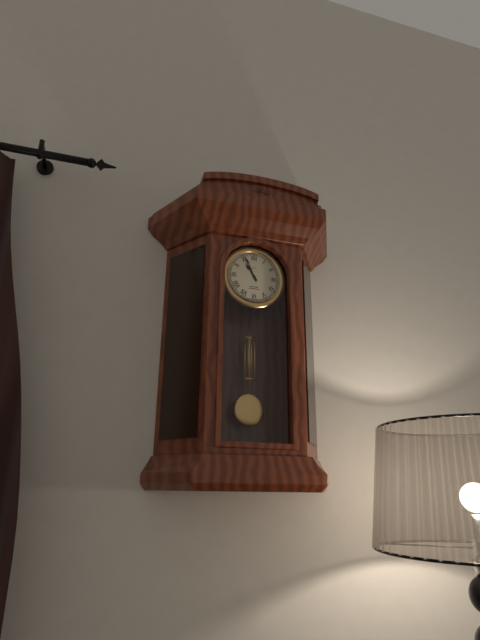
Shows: 10 h 56 min
